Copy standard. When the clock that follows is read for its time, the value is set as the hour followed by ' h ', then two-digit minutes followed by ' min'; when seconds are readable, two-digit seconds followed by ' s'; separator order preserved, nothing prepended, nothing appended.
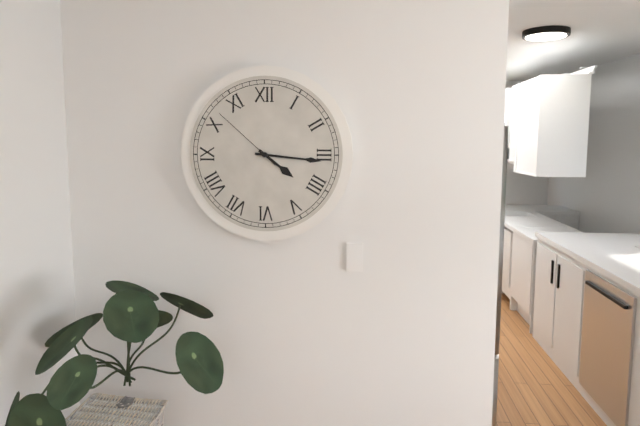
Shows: 4 h 16 min 52 s
